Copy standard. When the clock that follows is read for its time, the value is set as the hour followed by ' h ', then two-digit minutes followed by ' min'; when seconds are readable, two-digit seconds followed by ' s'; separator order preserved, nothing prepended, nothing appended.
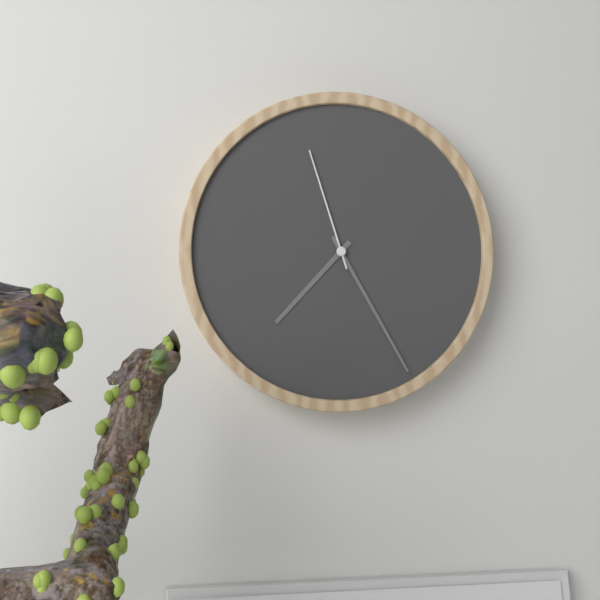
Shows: 7 h 25 min 57 s
